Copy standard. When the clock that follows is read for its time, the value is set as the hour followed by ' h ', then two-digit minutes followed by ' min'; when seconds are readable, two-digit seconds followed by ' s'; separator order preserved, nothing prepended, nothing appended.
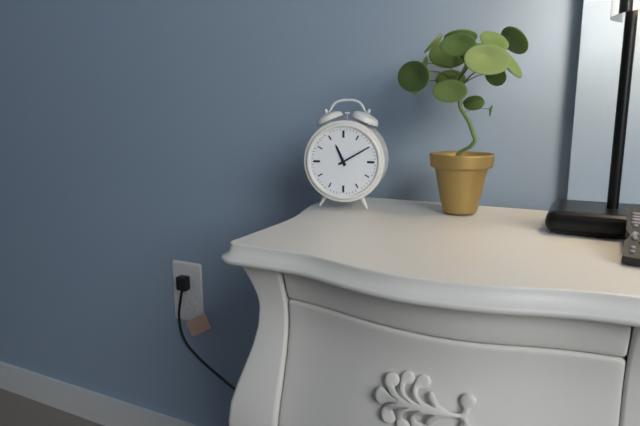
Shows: 11 h 10 min
